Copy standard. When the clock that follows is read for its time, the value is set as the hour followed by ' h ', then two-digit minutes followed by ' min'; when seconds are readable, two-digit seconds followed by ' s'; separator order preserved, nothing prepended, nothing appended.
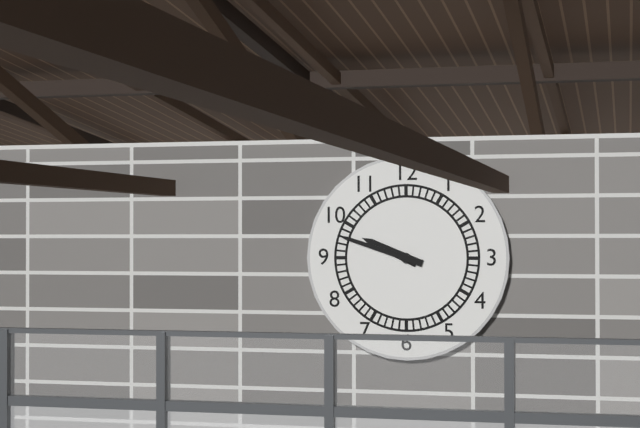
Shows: 9 h 48 min
